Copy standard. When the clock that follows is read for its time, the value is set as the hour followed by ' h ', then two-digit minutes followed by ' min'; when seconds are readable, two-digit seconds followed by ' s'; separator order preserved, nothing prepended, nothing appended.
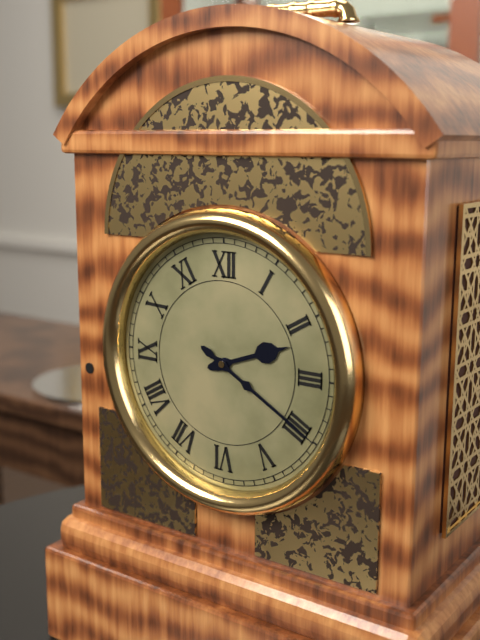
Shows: 2 h 20 min
